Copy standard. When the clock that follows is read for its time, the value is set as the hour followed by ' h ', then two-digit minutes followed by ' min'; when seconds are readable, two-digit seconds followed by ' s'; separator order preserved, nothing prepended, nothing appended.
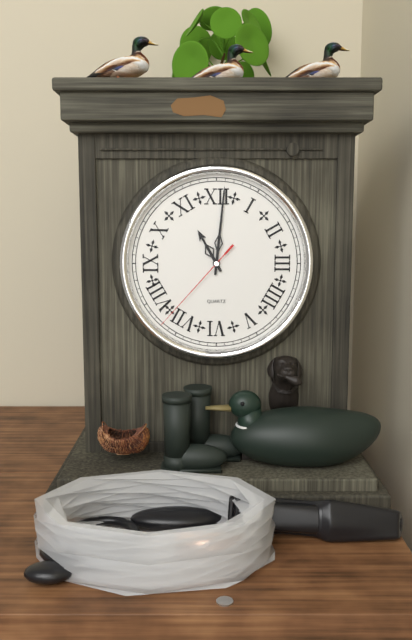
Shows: 11 h 01 min 37 s
